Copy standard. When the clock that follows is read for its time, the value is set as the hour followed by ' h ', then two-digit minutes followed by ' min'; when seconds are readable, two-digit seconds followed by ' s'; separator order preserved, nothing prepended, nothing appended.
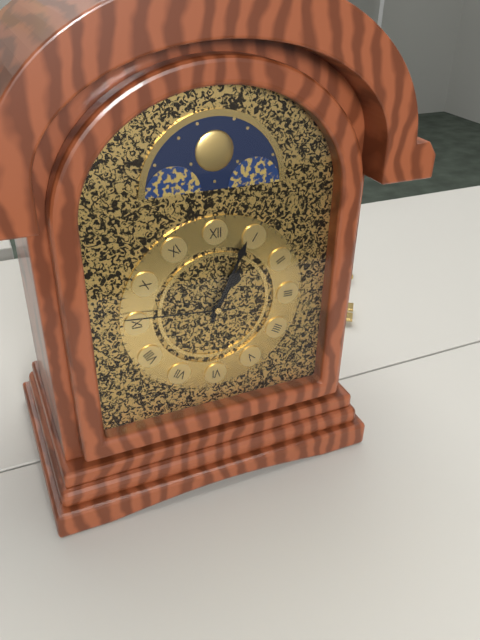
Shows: 1 h 04 min 46 s
